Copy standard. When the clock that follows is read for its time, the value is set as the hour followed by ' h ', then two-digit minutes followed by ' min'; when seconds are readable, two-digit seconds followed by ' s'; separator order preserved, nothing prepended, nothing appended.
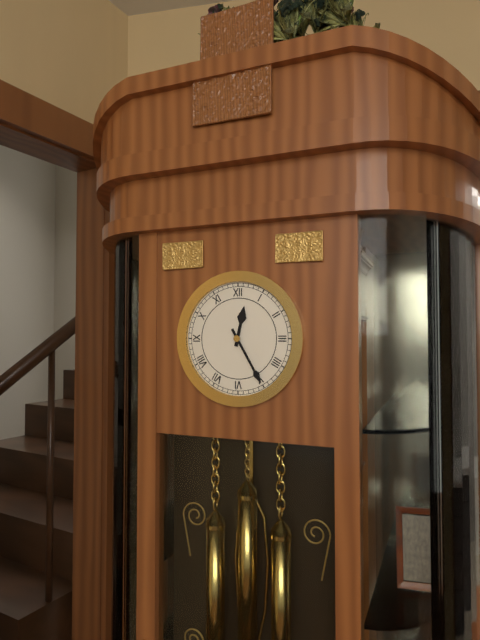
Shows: 12 h 25 min
